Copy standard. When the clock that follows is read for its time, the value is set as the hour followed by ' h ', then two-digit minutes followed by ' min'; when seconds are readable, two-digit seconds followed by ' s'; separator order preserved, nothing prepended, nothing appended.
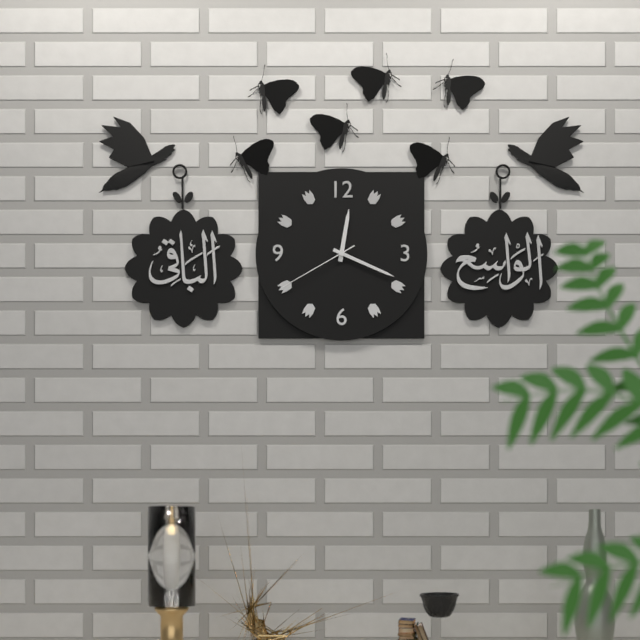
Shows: 12 h 19 min 40 s
